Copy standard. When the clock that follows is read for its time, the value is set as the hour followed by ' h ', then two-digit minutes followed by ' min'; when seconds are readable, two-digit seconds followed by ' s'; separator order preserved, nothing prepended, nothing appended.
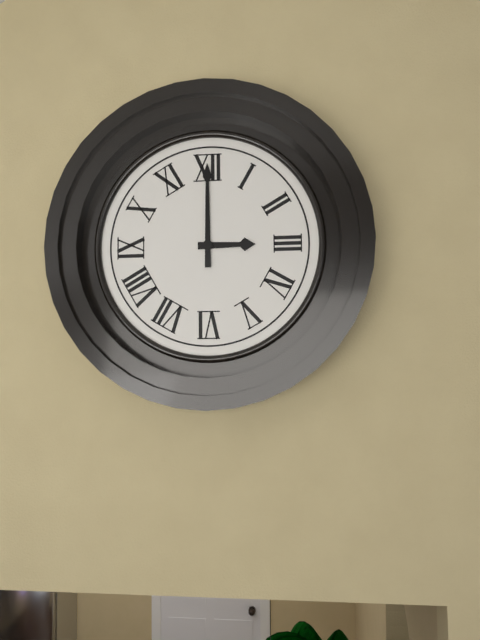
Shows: 3 h 00 min
